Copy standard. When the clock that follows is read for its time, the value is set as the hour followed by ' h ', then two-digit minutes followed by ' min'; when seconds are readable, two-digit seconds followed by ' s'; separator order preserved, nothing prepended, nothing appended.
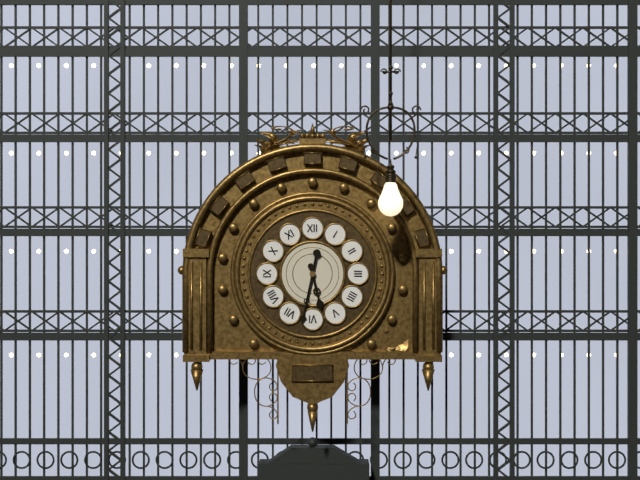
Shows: 5 h 32 min
